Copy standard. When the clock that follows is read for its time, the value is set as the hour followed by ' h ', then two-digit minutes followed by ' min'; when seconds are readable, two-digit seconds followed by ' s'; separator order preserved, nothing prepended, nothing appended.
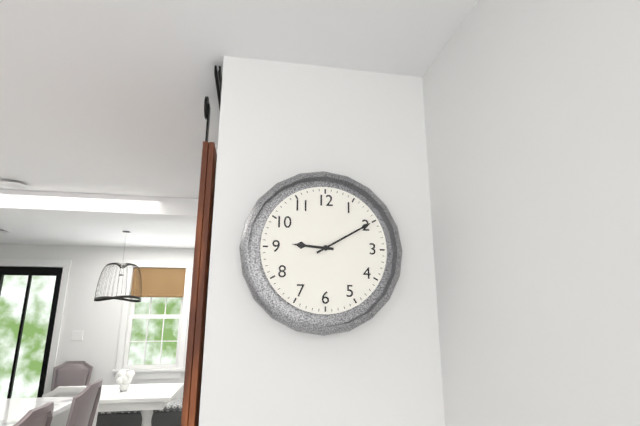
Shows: 9 h 10 min
